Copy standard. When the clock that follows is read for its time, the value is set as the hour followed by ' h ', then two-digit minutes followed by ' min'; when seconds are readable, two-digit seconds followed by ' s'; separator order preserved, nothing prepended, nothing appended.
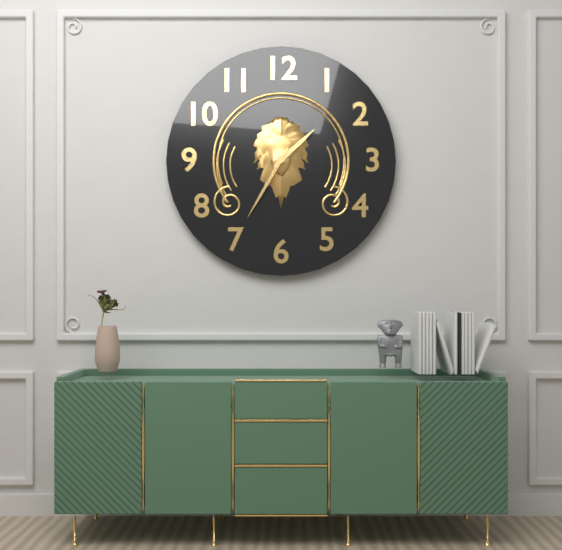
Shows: 1 h 35 min
